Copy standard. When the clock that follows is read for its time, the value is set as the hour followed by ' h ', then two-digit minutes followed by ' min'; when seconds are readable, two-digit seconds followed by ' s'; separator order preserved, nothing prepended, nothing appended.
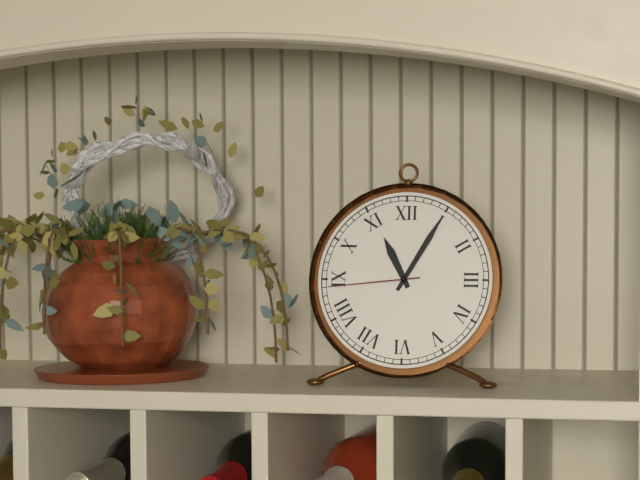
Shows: 11 h 05 min 44 s
